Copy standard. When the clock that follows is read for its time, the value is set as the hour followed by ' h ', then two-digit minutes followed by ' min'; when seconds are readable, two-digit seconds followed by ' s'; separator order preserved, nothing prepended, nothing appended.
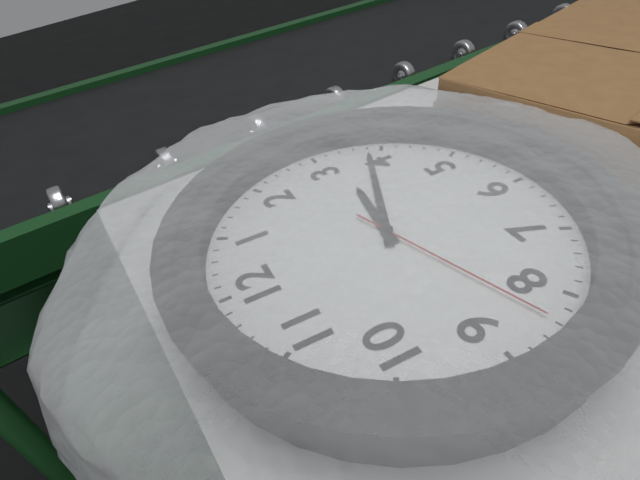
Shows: 3 h 19 min 42 s
